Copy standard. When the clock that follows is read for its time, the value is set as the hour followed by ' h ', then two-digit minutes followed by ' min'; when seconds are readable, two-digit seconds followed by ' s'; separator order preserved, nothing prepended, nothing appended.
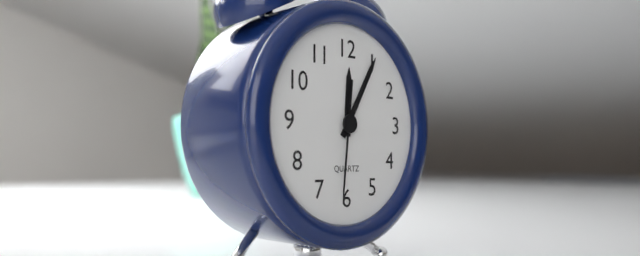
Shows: 12 h 05 min 31 s
